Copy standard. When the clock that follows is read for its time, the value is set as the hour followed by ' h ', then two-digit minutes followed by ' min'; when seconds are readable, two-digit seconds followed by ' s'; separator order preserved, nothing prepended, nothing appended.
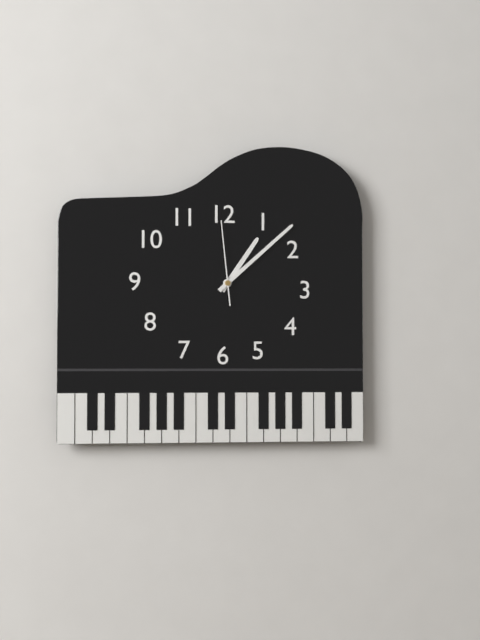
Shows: 1 h 08 min 59 s
